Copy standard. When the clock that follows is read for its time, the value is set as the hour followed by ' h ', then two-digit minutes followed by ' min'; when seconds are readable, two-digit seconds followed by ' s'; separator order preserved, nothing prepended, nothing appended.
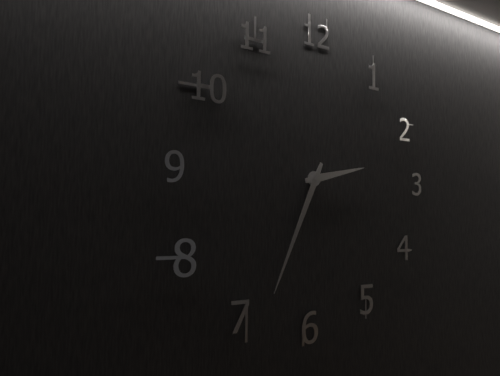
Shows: 2 h 34 min
